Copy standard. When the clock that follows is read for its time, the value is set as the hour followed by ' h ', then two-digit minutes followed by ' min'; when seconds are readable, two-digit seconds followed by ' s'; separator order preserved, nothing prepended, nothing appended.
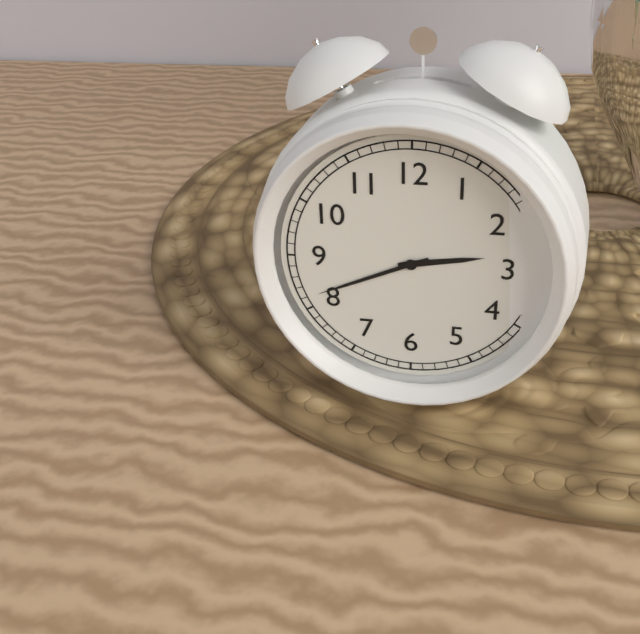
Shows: 2 h 41 min
